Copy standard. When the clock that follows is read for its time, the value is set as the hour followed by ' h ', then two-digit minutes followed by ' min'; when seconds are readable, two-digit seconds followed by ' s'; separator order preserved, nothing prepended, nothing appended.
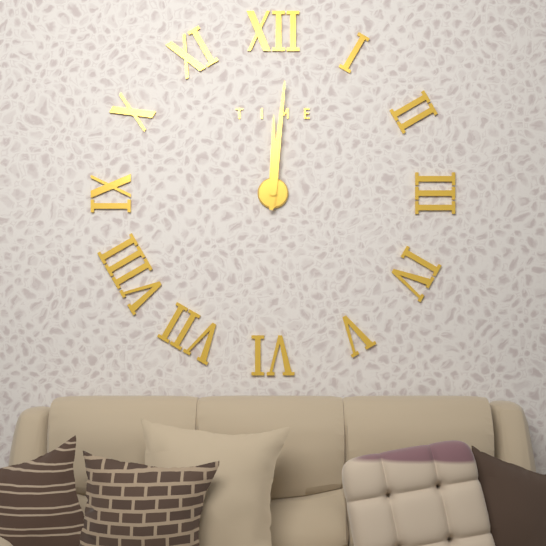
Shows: 12 h 01 min
